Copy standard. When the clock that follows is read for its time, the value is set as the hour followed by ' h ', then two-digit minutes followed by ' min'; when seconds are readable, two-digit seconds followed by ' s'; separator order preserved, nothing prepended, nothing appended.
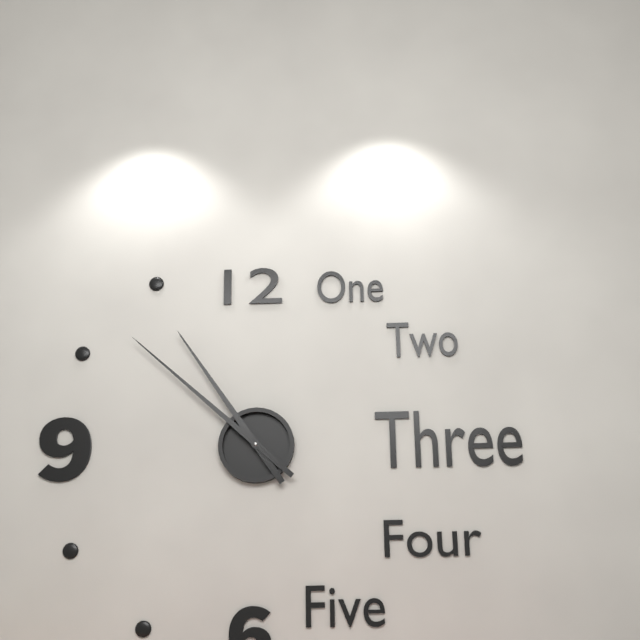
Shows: 10 h 52 min
